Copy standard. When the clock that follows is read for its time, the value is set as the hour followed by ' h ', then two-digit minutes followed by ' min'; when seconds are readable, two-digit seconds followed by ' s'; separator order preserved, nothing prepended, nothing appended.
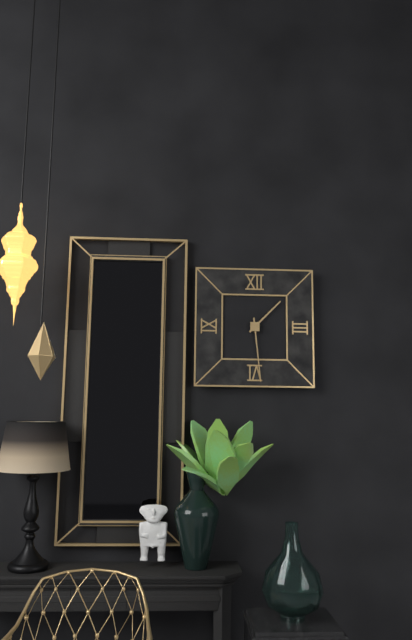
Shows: 1 h 29 min
